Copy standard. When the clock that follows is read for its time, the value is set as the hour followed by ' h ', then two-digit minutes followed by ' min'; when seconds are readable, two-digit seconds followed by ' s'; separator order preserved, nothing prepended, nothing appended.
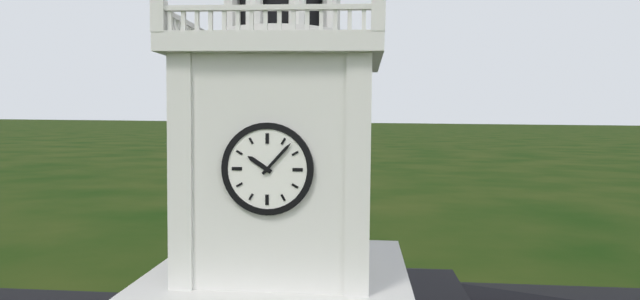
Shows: 10 h 07 min
